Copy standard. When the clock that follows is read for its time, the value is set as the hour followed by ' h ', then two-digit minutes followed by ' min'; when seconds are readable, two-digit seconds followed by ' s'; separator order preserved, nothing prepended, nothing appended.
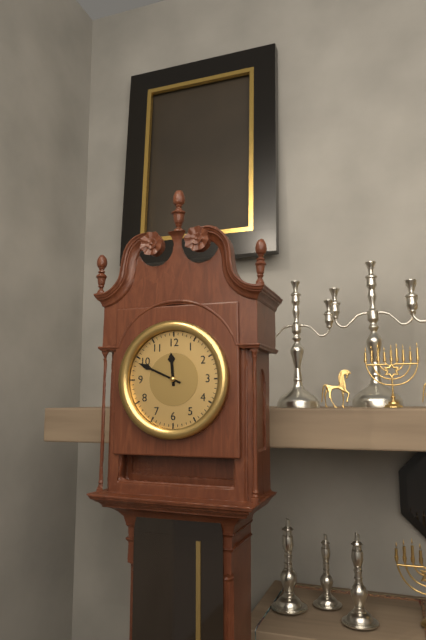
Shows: 11 h 49 min
